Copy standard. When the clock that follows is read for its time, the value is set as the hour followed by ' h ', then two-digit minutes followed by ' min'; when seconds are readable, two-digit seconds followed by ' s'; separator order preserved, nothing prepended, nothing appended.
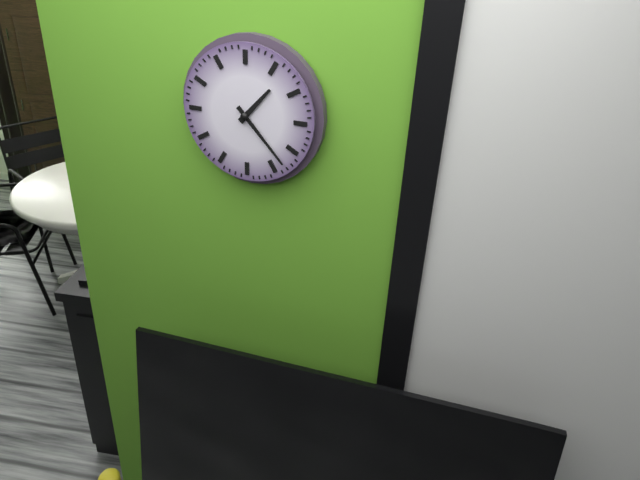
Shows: 1 h 23 min
